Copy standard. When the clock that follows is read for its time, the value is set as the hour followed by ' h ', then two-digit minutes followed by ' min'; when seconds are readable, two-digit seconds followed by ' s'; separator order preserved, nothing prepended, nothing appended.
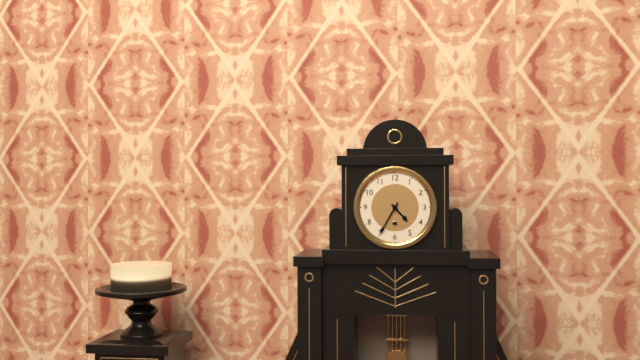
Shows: 4 h 35 min
